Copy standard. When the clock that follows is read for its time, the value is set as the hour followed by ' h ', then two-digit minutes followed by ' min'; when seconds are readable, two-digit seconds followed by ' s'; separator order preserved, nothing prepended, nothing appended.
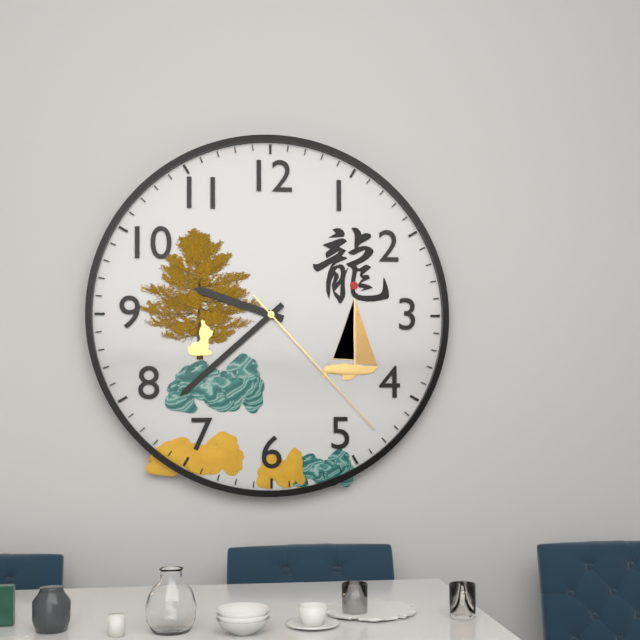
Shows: 9 h 38 min 23 s
